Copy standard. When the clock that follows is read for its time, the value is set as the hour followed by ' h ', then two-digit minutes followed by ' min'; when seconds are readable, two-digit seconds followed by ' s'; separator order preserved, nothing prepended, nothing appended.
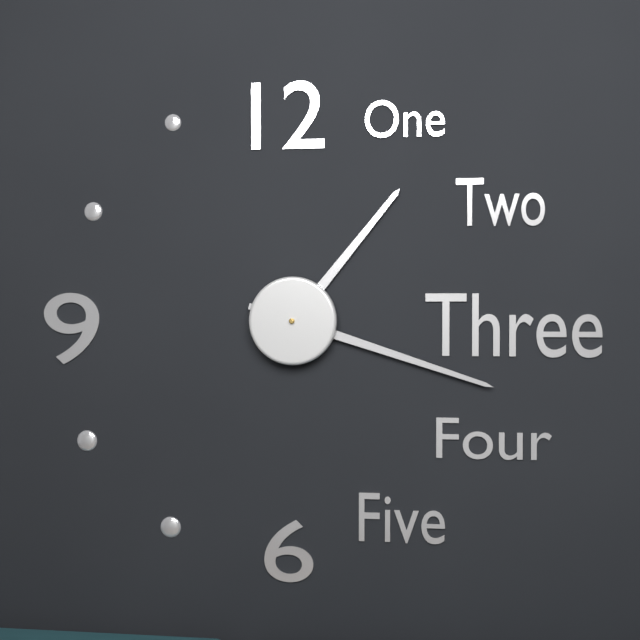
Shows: 1 h 18 min
